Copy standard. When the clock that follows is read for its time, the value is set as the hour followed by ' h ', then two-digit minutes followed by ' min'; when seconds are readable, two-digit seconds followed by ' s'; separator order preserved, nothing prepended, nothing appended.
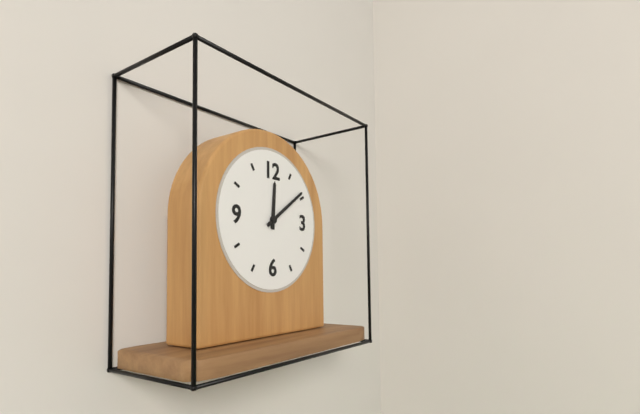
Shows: 12 h 09 min
